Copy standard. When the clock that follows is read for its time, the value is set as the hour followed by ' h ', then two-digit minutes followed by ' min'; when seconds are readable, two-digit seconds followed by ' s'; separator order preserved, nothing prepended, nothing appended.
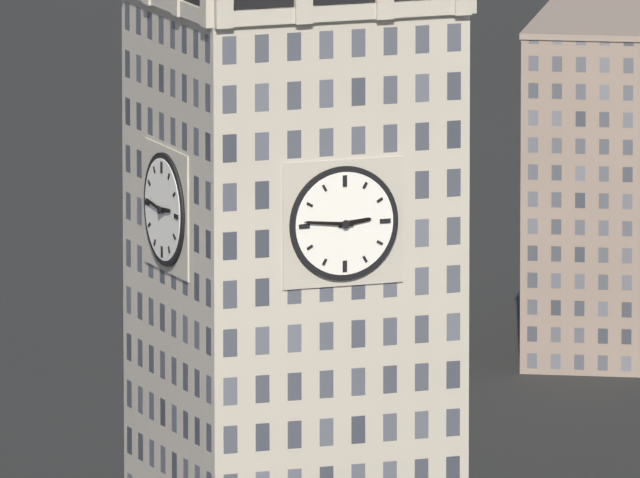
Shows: 2 h 46 min
